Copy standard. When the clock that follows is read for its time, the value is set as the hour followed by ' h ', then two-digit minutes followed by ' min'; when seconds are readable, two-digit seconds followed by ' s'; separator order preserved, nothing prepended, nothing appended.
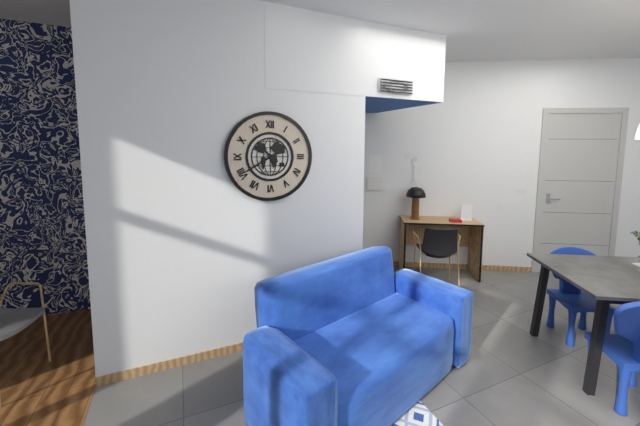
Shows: 10 h 40 min
